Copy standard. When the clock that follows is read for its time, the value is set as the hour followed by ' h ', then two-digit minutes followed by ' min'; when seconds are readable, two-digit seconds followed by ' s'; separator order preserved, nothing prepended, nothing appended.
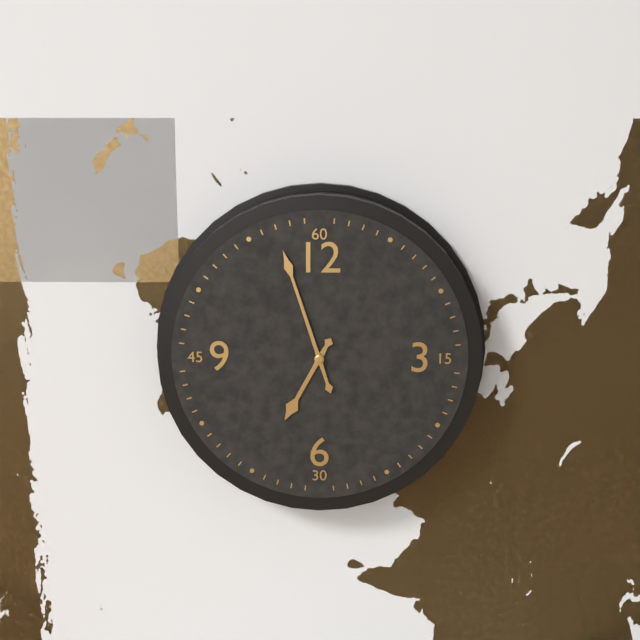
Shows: 6 h 57 min
